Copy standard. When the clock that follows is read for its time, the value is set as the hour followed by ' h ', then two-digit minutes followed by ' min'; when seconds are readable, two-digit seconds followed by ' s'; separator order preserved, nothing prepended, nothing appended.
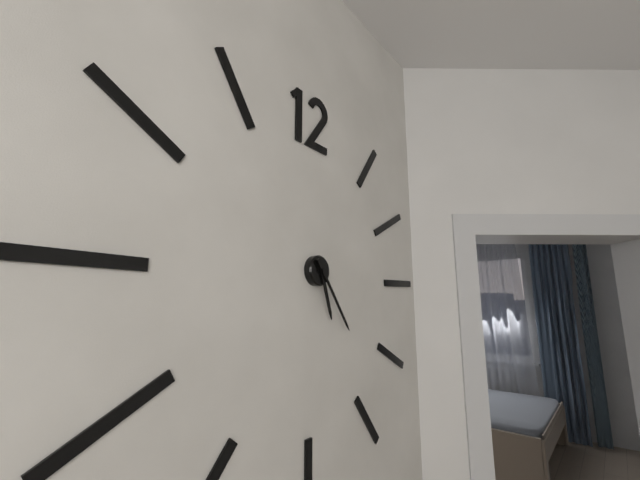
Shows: 5 h 24 min
